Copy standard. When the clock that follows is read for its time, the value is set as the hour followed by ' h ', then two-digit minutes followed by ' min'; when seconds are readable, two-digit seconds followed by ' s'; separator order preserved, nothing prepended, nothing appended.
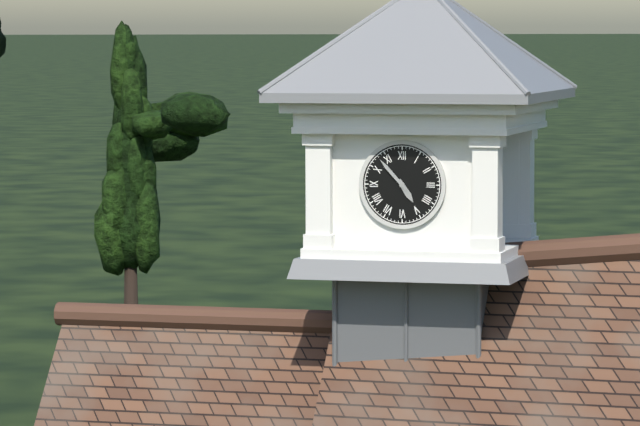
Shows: 4 h 53 min
